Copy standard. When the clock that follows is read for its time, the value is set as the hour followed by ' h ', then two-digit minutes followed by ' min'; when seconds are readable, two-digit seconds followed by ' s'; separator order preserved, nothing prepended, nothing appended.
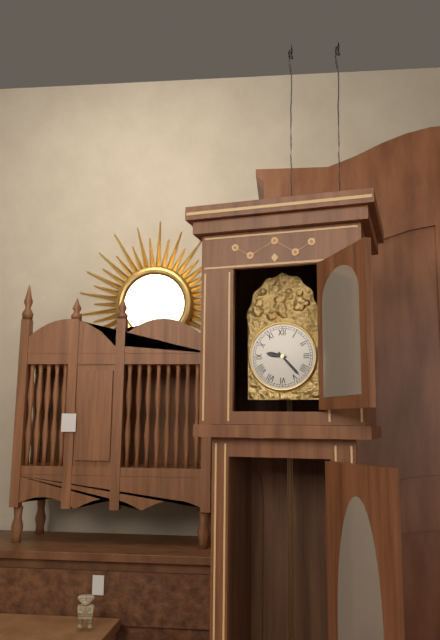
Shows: 9 h 23 min
